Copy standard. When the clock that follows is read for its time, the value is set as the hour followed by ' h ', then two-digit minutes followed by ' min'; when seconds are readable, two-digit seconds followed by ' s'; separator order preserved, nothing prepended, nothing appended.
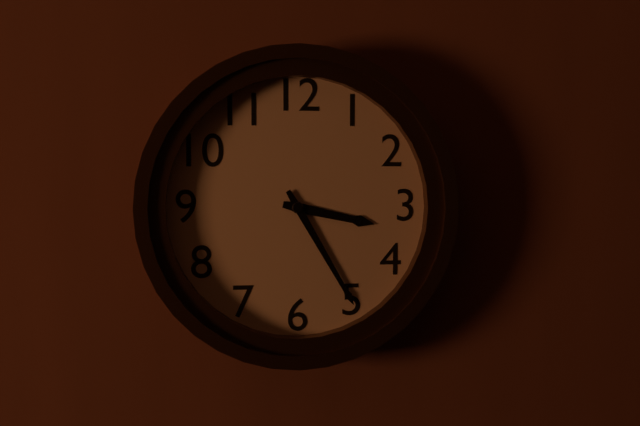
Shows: 3 h 25 min
